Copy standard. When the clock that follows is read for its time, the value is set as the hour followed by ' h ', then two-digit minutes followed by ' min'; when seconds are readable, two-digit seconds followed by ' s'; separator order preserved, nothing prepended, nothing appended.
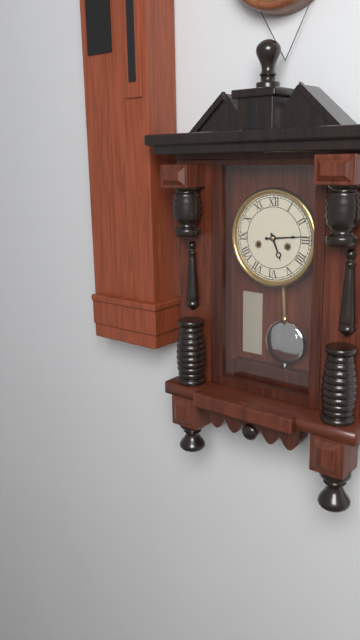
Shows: 5 h 14 min
